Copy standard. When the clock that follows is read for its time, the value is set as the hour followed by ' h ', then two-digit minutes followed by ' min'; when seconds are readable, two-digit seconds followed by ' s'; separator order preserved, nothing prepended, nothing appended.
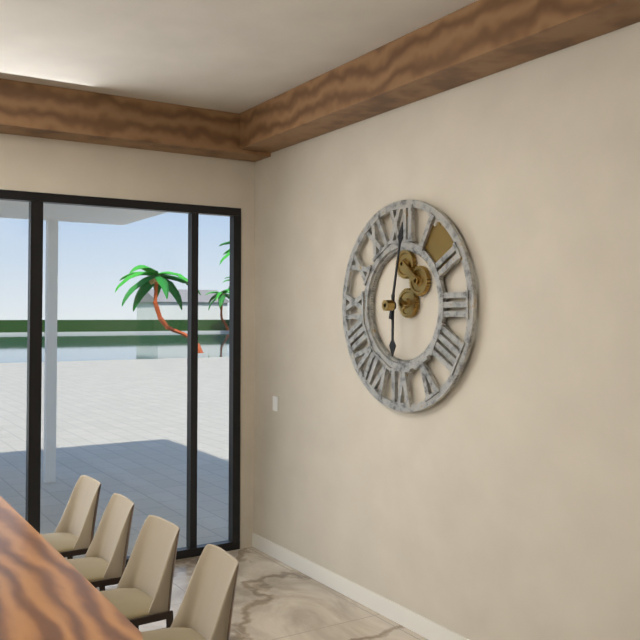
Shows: 6 h 02 min
